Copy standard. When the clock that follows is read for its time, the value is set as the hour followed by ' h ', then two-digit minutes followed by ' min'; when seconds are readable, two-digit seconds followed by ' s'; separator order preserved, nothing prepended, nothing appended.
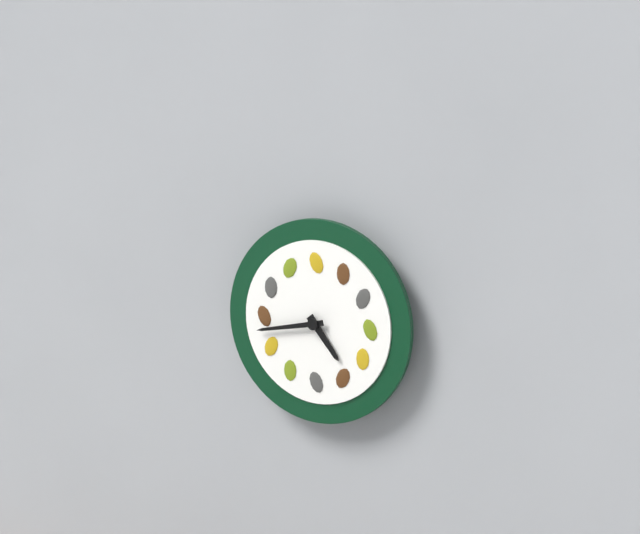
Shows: 4 h 43 min
